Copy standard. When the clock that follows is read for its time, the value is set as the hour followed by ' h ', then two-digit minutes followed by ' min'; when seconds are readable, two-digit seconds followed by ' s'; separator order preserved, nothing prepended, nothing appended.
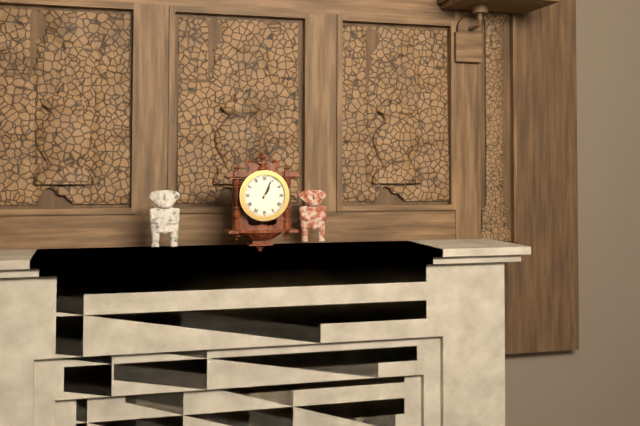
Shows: 1 h 04 min
